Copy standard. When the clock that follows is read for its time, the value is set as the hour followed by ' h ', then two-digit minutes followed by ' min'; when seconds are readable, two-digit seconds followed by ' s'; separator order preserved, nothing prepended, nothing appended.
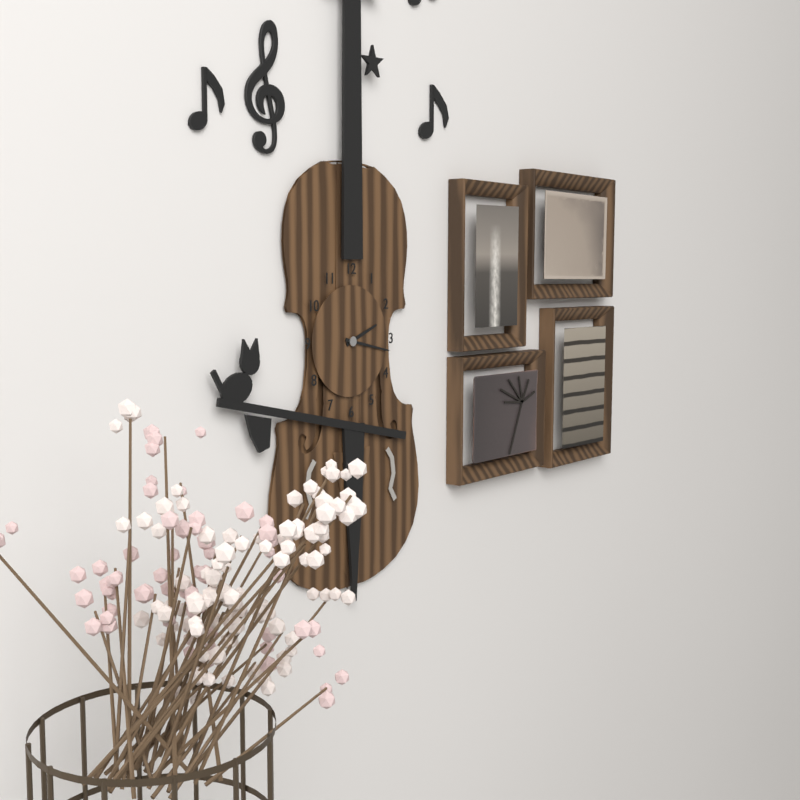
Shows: 2 h 17 min
